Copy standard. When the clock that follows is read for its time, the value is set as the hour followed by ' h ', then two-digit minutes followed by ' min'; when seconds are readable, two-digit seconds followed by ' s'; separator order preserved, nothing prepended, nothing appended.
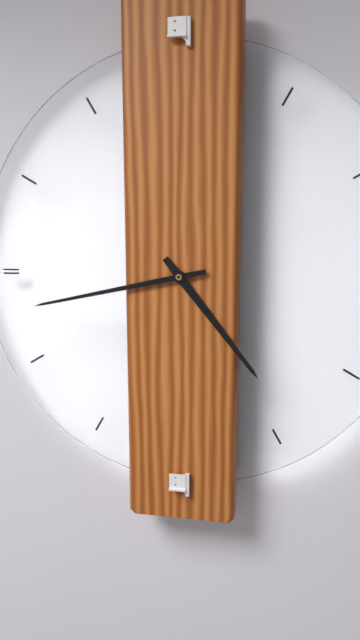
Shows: 4 h 43 min
